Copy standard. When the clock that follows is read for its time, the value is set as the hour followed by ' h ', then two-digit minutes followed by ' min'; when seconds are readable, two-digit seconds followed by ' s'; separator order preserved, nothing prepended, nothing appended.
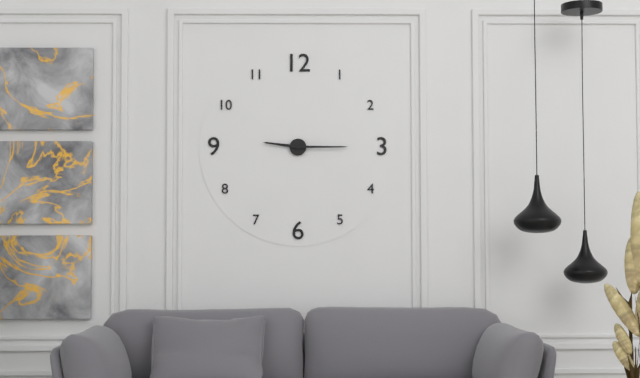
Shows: 9 h 15 min
